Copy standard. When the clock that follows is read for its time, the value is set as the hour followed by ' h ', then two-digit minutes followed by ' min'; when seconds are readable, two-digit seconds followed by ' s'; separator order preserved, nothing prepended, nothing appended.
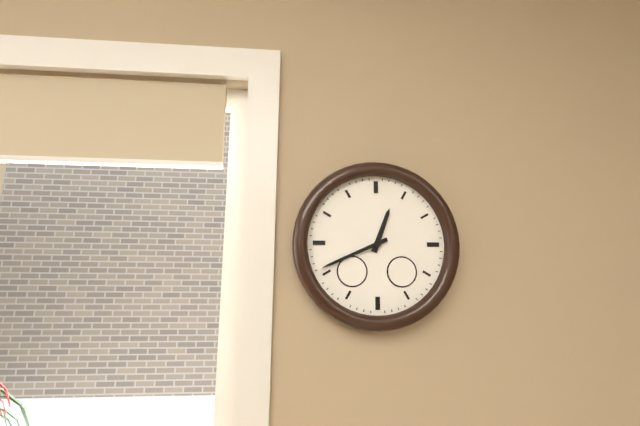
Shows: 12 h 41 min
